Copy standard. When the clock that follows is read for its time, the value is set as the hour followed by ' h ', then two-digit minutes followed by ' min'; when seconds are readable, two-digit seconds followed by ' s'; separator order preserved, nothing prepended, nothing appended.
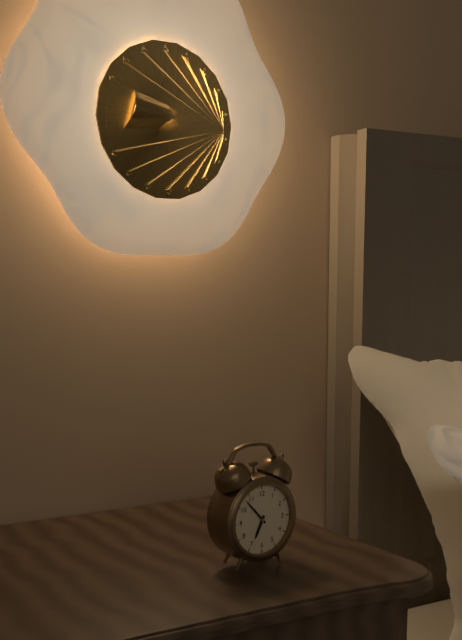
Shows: 6 h 53 min
